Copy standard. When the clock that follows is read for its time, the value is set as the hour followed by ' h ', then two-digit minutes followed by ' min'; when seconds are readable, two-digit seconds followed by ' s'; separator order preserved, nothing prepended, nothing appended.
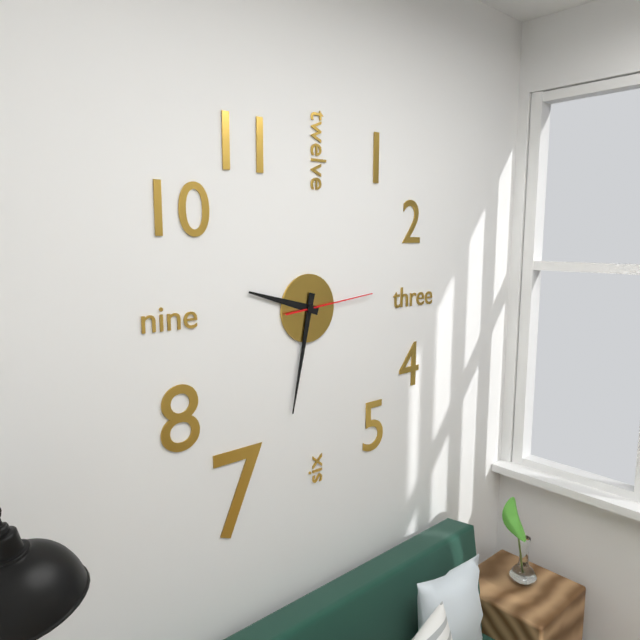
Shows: 9 h 32 min 14 s
